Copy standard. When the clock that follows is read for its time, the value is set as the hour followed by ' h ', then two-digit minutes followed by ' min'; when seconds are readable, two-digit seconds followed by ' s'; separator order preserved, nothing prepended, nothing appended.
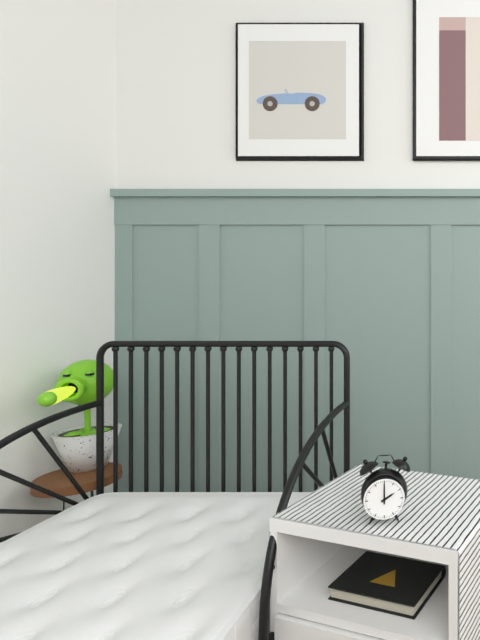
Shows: 2 h 00 min
